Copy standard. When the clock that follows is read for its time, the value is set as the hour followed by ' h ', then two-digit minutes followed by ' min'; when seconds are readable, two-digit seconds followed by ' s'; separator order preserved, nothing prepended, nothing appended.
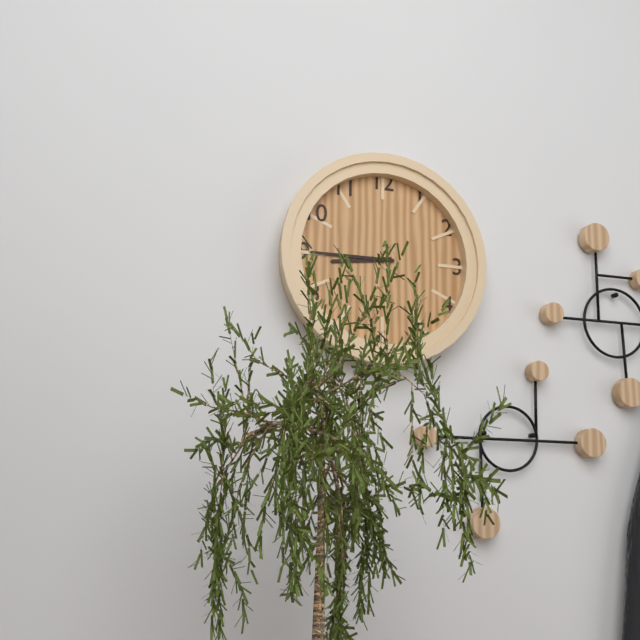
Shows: 8 h 45 min
